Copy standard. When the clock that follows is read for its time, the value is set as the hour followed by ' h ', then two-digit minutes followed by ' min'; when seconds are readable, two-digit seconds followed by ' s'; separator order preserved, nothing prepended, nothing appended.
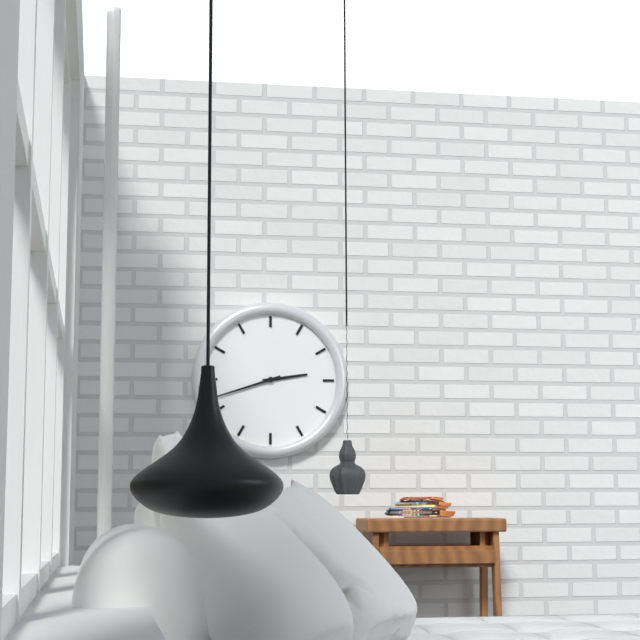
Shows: 2 h 42 min
